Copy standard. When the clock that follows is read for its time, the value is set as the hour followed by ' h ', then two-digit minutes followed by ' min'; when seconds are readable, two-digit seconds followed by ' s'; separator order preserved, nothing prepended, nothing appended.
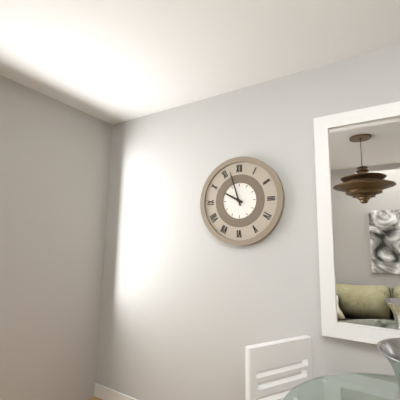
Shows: 9 h 57 min
